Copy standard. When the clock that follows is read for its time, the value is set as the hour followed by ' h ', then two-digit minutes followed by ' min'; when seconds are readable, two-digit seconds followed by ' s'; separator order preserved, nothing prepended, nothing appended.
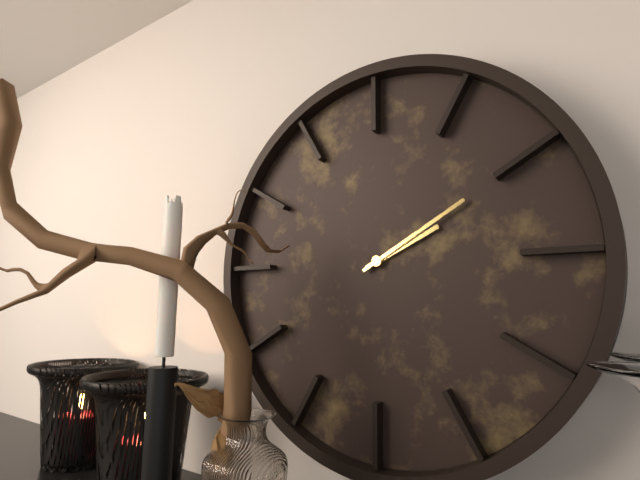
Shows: 2 h 10 min
